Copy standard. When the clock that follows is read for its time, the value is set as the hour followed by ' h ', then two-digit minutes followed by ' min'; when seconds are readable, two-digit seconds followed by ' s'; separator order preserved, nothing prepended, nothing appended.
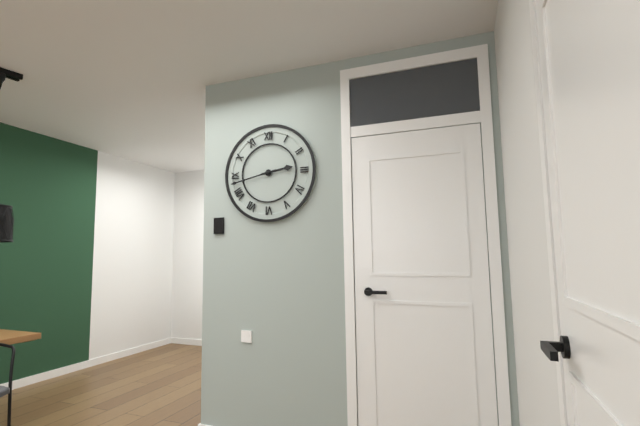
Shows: 2 h 43 min
